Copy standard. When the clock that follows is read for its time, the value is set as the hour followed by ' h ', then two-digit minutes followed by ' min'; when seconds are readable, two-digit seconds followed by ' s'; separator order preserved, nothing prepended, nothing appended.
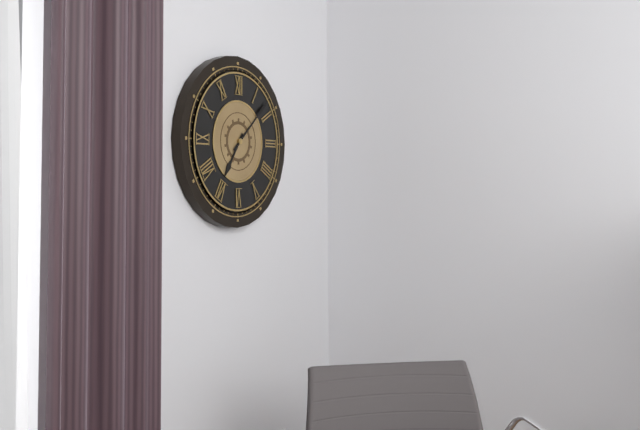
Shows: 7 h 08 min
